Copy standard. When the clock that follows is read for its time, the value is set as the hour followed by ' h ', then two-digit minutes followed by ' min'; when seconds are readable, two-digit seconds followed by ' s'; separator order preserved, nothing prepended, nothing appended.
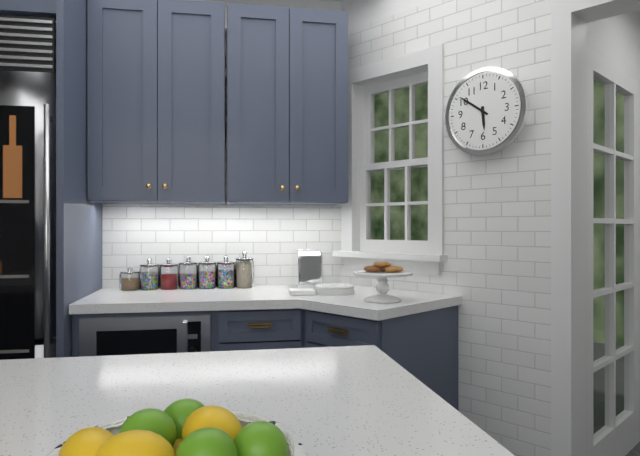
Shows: 5 h 51 min
